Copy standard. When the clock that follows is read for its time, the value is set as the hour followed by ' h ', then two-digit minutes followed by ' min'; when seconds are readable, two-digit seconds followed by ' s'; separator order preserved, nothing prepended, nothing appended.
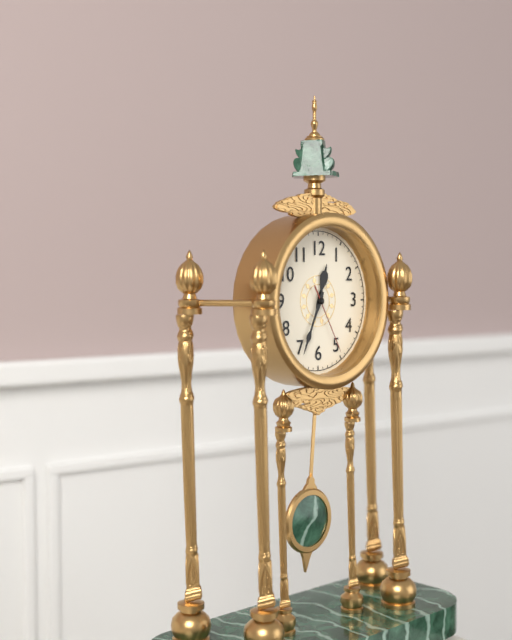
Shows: 12 h 34 min 25 s
